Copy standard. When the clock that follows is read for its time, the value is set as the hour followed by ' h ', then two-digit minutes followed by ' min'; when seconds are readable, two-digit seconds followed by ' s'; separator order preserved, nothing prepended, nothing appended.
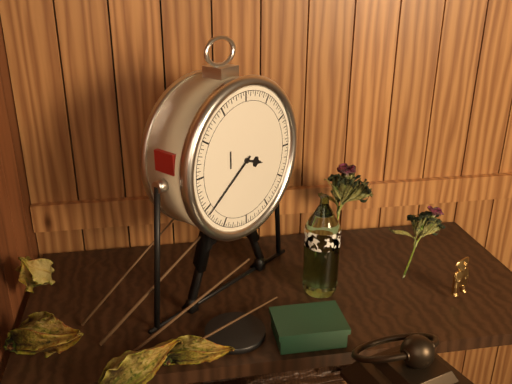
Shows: 3 h 39 min
